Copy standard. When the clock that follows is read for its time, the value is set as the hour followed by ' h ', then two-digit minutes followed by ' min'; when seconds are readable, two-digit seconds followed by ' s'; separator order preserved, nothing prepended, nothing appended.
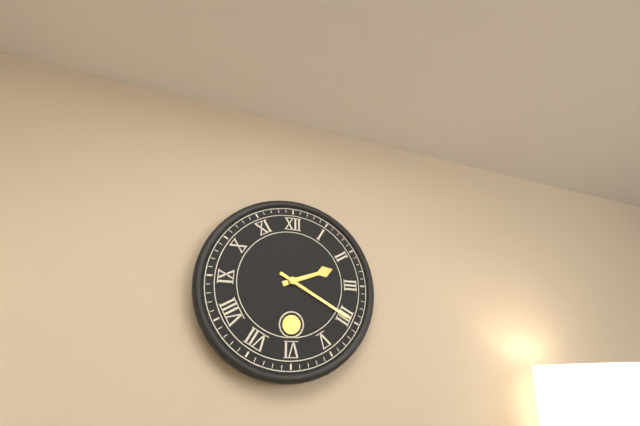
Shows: 2 h 20 min
